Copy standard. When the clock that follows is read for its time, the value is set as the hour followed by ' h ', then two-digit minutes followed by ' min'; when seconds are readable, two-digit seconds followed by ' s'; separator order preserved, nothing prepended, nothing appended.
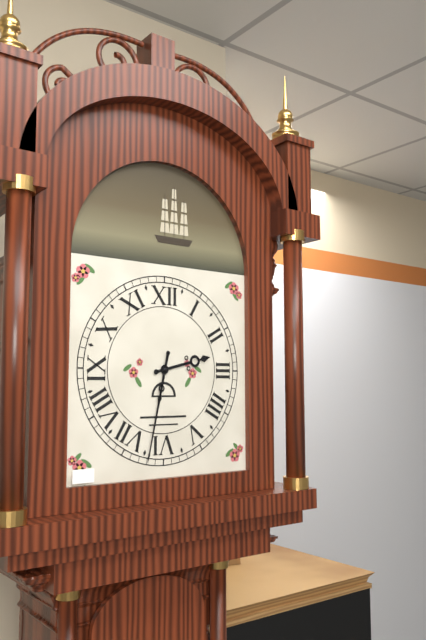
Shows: 2 h 32 min
